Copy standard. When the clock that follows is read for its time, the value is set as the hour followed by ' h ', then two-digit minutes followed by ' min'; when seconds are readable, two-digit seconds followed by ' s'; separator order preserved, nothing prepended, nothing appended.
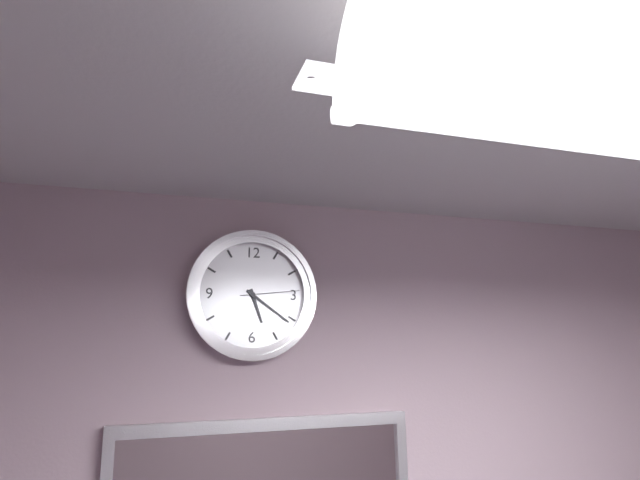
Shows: 5 h 21 min 14 s
